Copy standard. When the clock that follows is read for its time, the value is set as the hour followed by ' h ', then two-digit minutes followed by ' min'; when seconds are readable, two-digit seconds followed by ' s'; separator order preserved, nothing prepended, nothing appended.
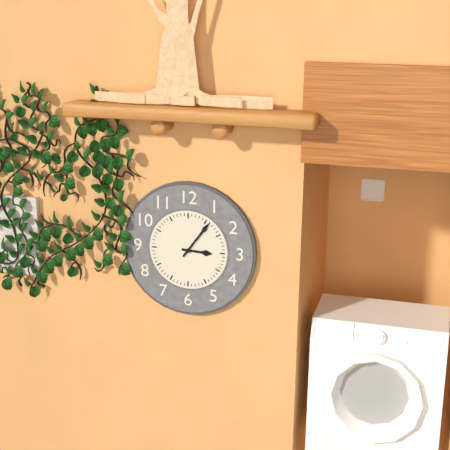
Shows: 3 h 06 min
